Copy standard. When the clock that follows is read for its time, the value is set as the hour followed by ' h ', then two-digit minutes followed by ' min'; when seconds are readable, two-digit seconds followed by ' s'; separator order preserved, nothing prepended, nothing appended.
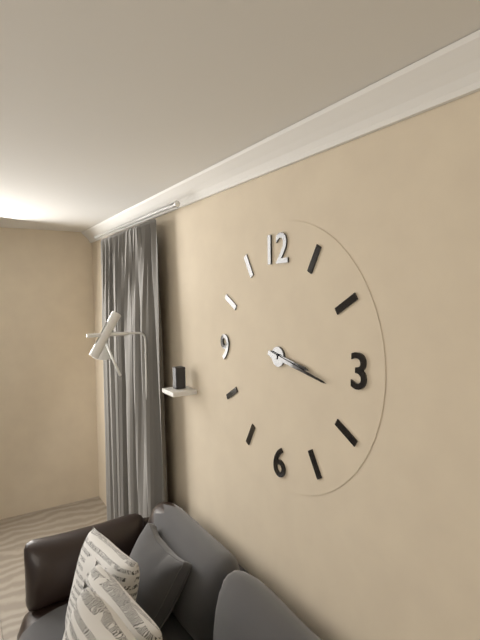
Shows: 3 h 17 min
